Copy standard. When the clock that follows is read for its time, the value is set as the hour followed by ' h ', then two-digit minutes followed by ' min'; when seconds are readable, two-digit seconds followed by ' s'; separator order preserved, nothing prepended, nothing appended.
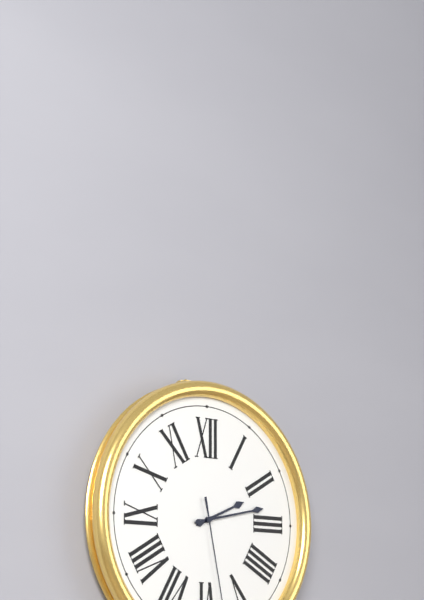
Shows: 2 h 13 min
